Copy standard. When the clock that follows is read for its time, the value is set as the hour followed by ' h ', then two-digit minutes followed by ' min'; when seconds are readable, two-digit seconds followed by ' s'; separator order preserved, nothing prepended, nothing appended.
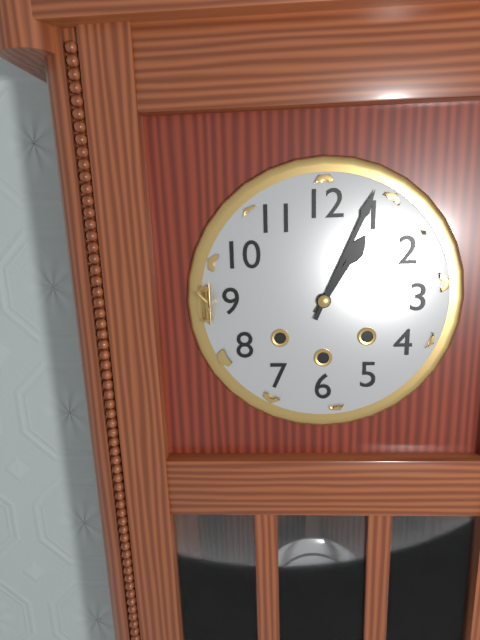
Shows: 1 h 04 min
